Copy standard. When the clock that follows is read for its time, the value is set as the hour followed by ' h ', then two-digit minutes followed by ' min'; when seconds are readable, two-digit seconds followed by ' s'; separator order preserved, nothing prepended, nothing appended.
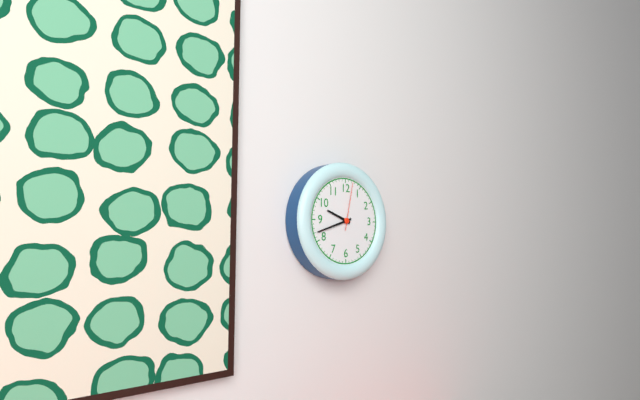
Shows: 9 h 42 min 02 s
